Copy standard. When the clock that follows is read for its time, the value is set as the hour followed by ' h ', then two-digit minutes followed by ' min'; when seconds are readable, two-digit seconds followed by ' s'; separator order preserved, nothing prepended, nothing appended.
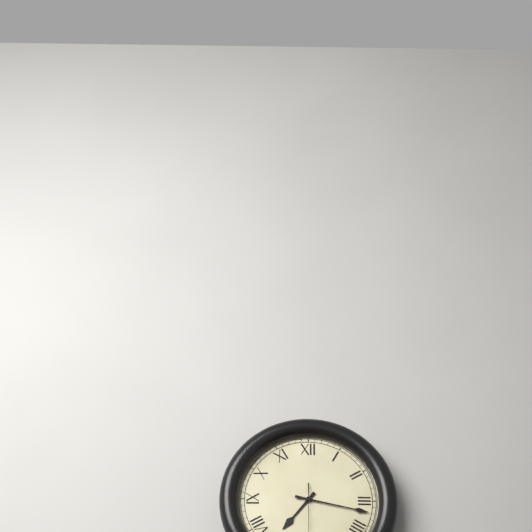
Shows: 7 h 17 min
